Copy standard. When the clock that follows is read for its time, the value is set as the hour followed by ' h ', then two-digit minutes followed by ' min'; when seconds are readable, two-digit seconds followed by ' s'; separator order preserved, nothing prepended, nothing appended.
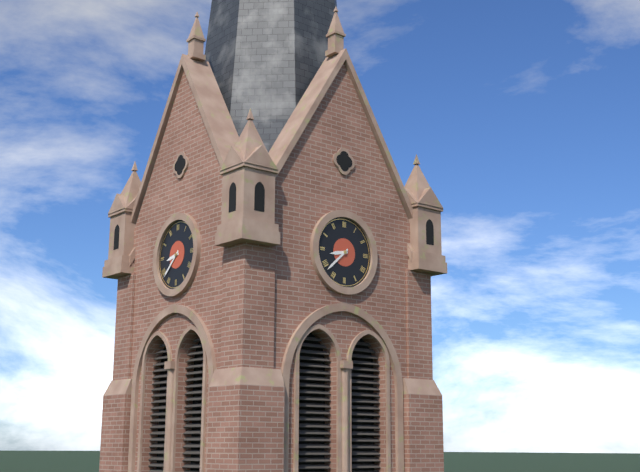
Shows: 8 h 38 min
